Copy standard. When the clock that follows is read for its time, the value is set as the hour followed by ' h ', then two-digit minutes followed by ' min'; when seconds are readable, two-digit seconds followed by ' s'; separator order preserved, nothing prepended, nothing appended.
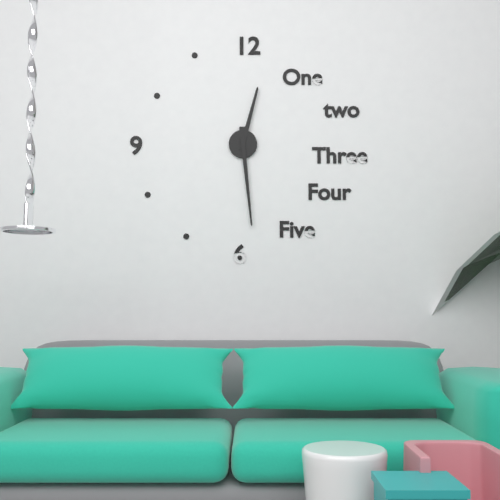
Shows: 12 h 29 min
